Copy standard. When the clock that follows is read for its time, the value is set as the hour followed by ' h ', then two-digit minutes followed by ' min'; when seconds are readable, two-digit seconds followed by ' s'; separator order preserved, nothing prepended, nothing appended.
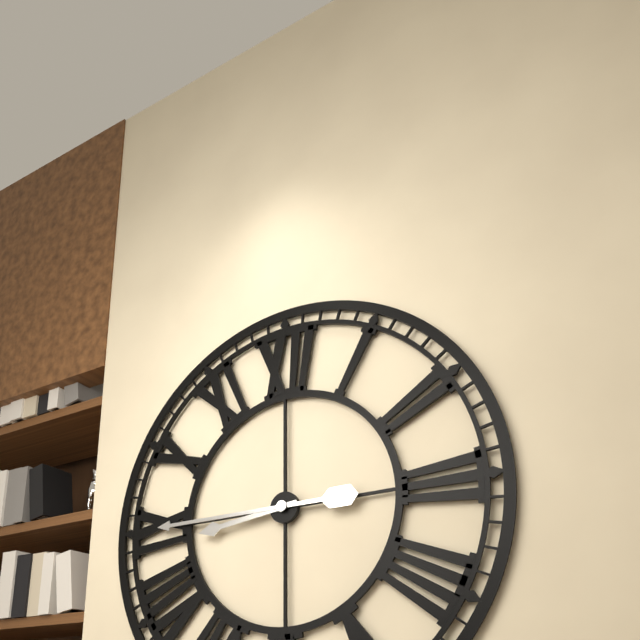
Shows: 8 h 45 min
